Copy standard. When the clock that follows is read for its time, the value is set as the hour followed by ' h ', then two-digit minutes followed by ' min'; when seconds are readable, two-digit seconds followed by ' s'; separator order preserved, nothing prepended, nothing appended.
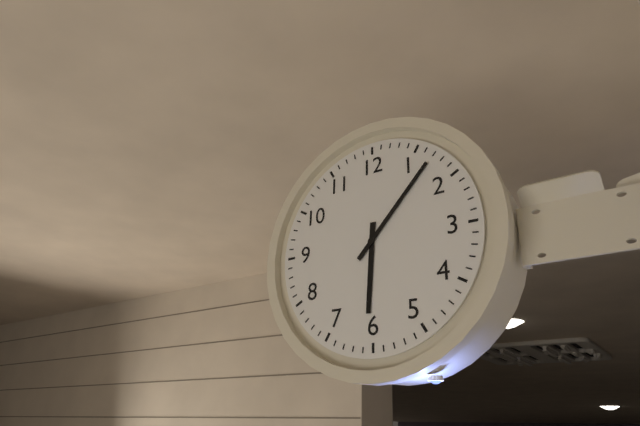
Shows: 6 h 07 min
